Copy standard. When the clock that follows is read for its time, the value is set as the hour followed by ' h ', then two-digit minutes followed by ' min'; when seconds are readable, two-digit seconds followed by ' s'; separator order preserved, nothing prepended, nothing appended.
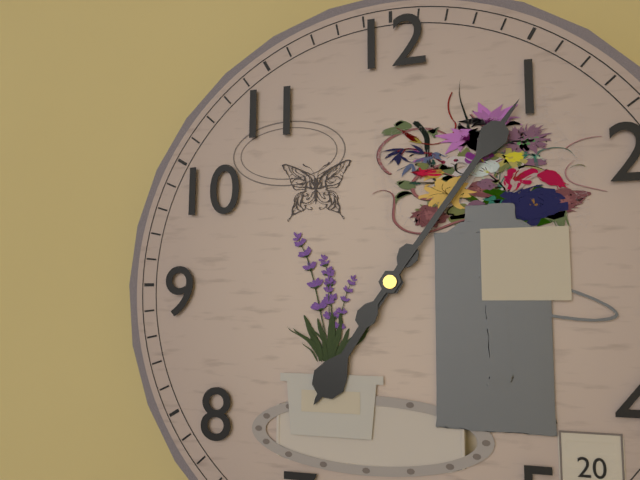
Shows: 7 h 06 min
